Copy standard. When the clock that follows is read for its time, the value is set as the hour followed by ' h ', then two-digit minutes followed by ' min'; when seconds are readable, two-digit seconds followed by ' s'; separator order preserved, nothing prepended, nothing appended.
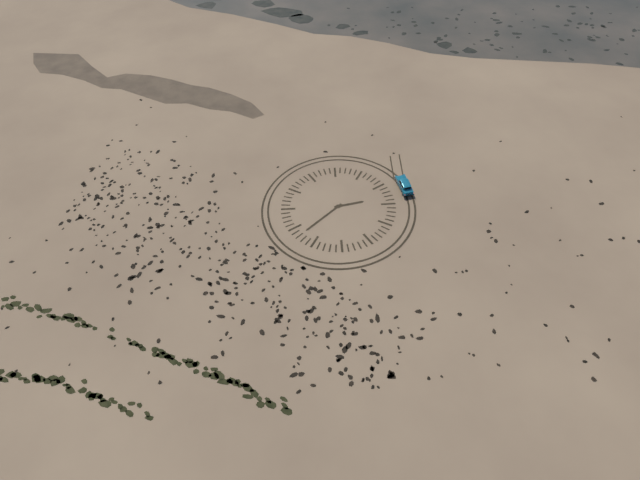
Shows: 2 h 38 min
